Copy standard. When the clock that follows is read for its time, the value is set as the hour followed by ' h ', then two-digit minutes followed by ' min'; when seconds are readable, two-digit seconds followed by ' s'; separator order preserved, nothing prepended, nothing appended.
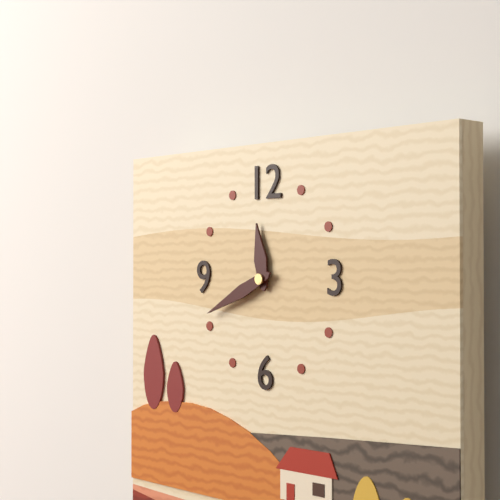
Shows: 11 h 41 min
